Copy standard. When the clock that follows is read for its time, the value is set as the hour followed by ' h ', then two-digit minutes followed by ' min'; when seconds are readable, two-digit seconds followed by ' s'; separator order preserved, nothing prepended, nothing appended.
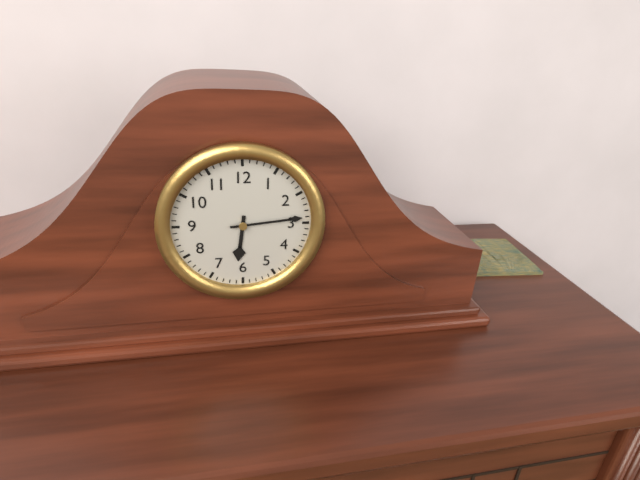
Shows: 6 h 14 min
